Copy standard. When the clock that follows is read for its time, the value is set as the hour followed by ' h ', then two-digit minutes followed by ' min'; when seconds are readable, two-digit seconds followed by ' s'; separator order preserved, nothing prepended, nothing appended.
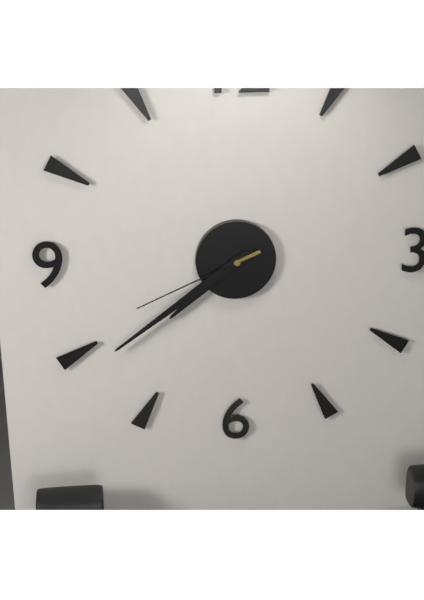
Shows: 7 h 39 min 41 s
